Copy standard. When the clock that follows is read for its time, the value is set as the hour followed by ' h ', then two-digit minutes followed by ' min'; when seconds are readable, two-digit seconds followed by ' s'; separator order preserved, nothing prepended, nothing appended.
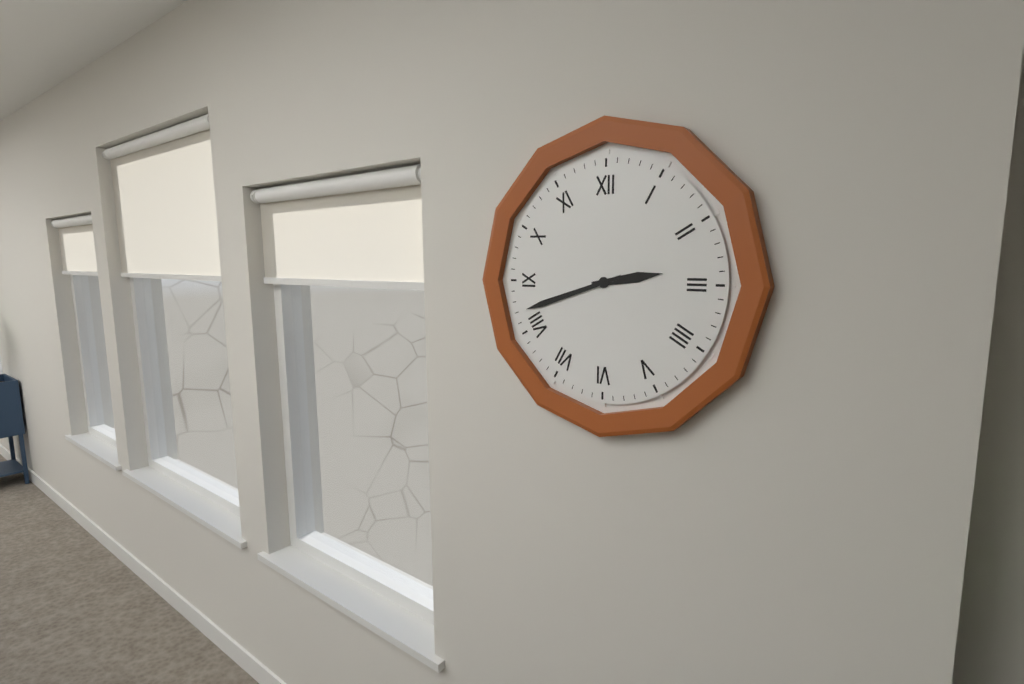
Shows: 2 h 42 min
